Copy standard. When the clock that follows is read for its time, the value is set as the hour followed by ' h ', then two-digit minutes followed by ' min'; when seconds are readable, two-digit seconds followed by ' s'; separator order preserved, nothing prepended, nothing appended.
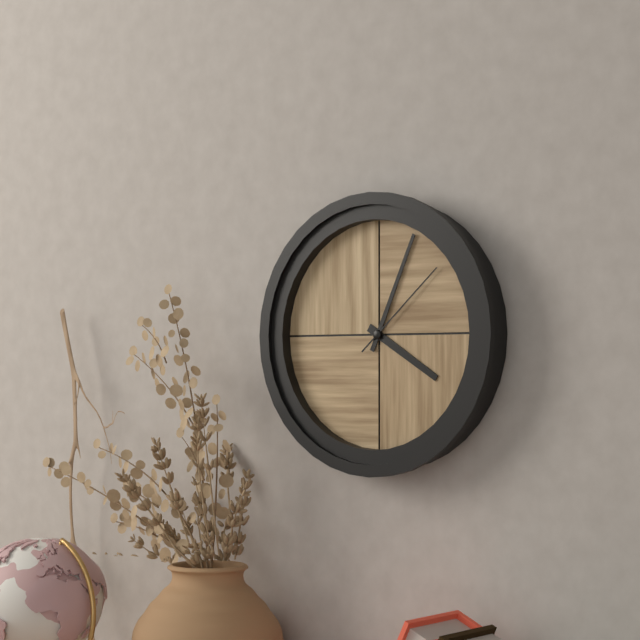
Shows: 4 h 04 min 08 s
